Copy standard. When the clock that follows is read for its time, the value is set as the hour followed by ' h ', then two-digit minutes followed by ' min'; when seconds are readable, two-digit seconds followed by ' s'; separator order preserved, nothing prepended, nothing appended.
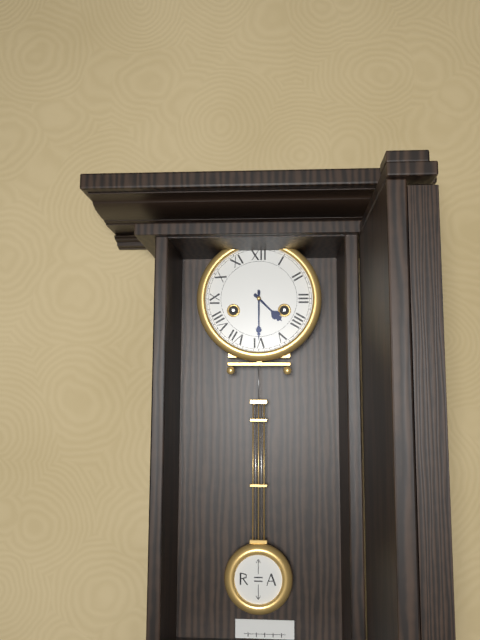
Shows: 4 h 30 min
